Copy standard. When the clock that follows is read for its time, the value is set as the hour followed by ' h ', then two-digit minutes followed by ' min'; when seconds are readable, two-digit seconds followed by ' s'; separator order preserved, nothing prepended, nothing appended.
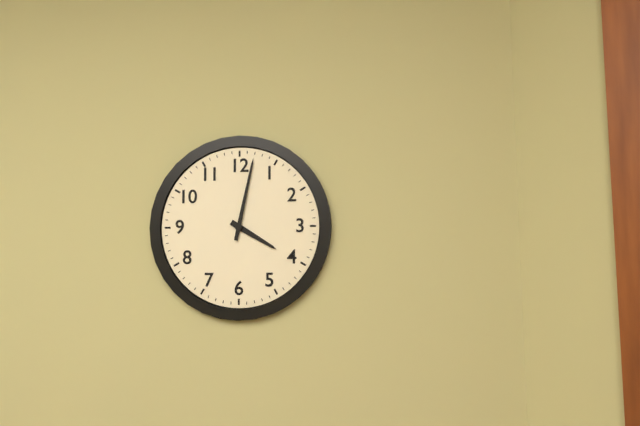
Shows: 4 h 02 min
